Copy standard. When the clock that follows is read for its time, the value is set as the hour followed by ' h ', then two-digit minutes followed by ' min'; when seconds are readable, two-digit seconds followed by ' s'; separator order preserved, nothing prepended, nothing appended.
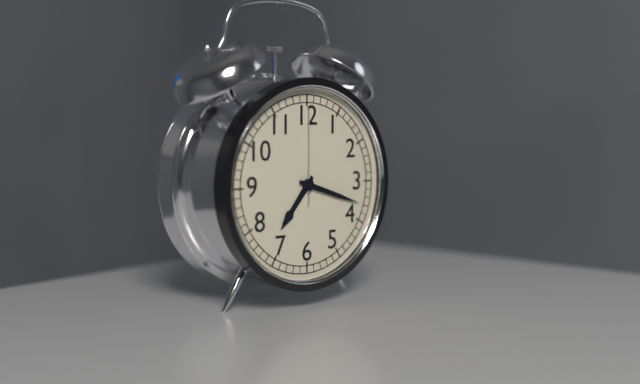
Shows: 7 h 18 min 00 s
